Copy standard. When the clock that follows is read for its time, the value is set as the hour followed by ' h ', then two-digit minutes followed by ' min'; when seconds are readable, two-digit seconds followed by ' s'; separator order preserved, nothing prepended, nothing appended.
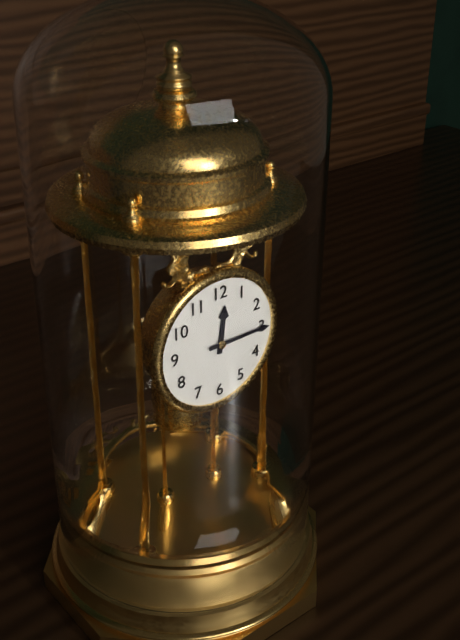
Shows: 12 h 15 min
